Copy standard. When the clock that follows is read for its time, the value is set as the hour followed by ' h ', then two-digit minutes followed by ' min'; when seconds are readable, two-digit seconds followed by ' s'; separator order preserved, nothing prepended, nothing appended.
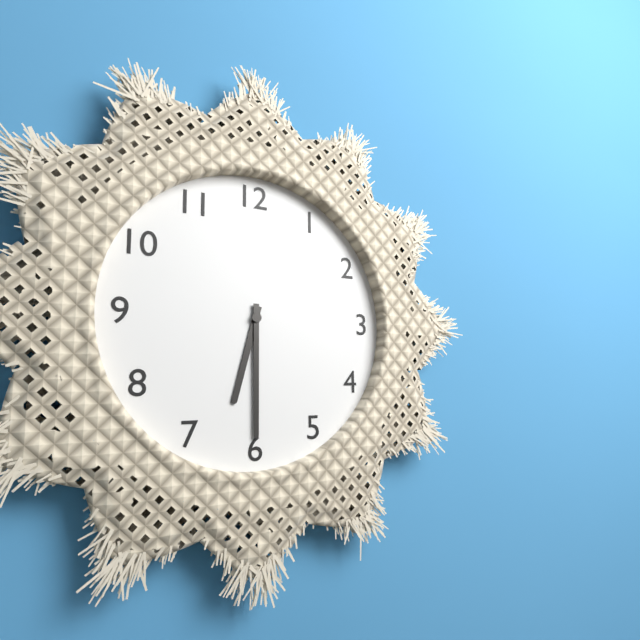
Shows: 6 h 30 min
